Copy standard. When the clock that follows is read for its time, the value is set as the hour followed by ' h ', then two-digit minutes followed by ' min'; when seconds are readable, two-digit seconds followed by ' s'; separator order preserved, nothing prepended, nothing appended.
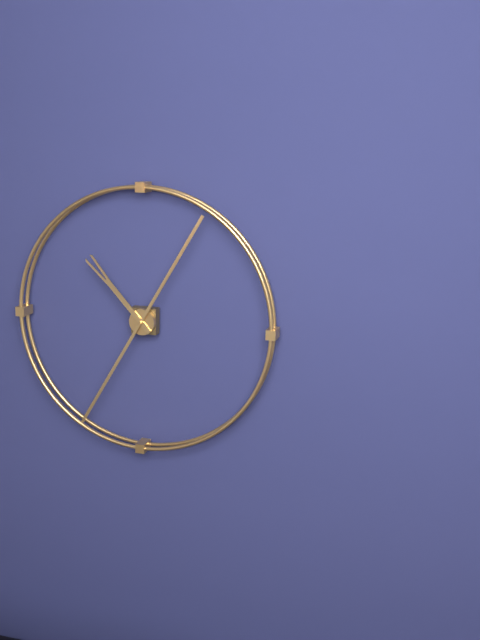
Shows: 10 h 35 min
